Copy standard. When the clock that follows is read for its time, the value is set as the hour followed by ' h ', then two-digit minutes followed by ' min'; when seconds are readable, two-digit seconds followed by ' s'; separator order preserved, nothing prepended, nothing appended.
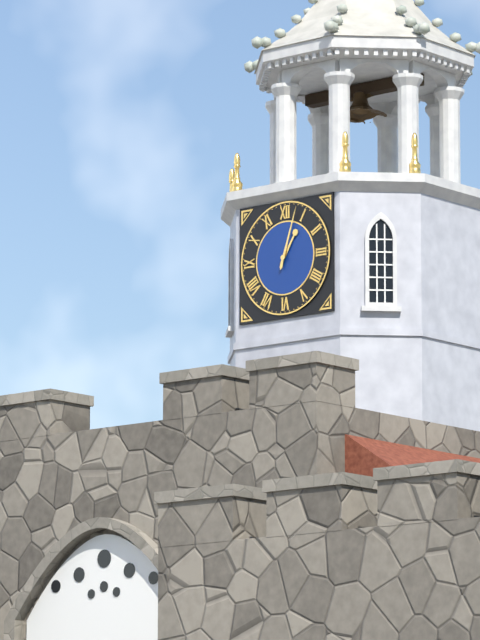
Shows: 1 h 03 min
